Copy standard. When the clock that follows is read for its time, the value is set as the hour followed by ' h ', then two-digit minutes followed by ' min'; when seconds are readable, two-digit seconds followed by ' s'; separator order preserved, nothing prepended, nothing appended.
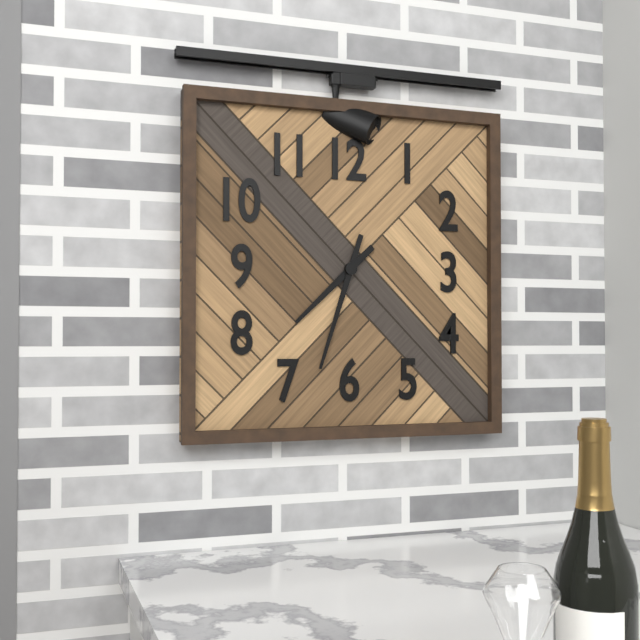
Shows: 7 h 33 min
